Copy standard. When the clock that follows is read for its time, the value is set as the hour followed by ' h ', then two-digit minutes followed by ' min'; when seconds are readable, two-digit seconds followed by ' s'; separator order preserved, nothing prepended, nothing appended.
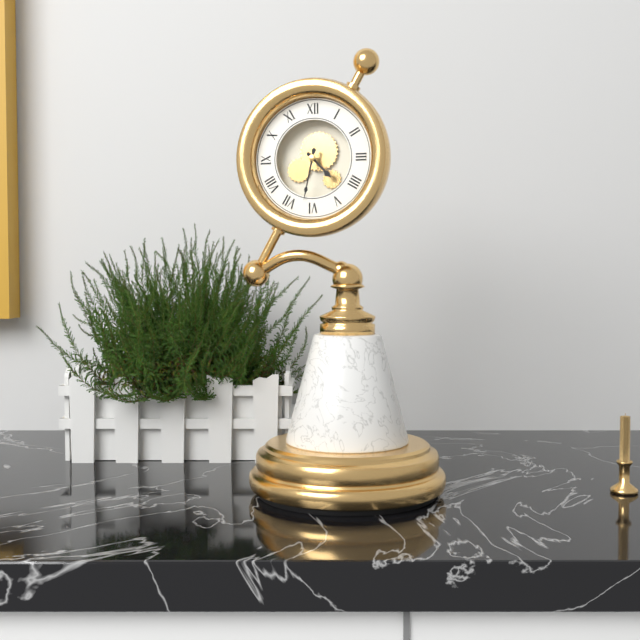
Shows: 4 h 32 min
